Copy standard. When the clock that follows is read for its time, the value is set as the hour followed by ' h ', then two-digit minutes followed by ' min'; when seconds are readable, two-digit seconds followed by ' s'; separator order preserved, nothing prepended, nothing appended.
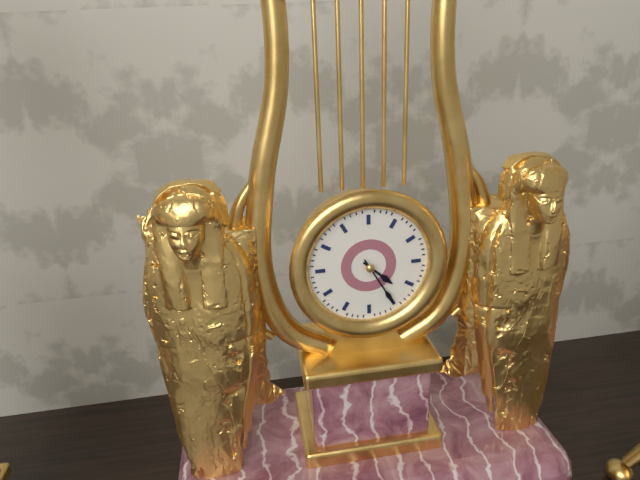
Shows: 4 h 25 min
